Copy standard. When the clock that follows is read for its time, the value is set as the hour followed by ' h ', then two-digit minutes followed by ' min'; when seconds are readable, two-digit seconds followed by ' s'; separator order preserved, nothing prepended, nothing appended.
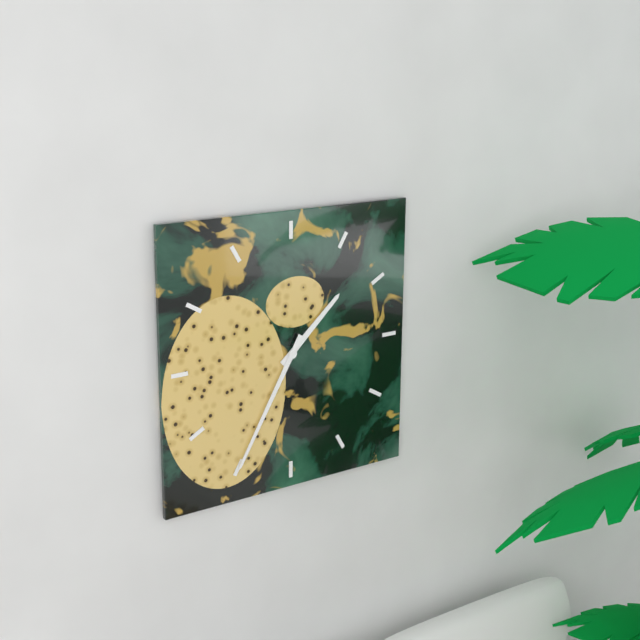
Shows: 1 h 35 min
